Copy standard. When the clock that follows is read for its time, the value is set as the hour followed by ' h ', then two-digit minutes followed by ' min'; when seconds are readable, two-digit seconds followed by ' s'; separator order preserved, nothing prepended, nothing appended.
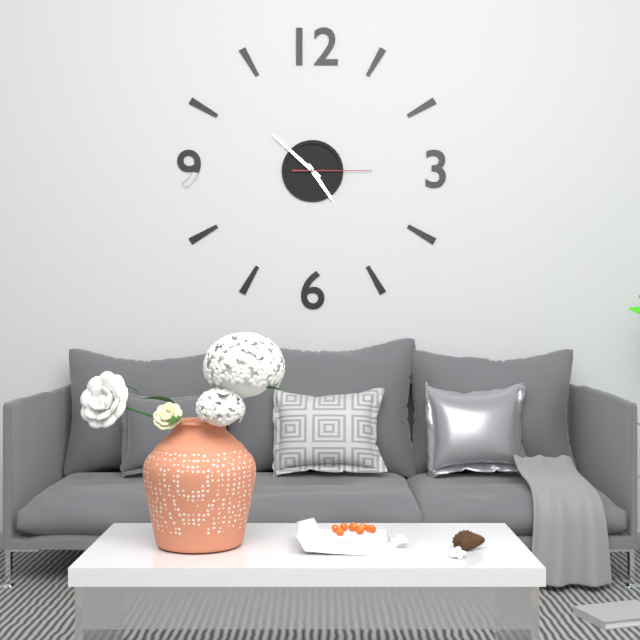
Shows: 4 h 52 min 15 s
